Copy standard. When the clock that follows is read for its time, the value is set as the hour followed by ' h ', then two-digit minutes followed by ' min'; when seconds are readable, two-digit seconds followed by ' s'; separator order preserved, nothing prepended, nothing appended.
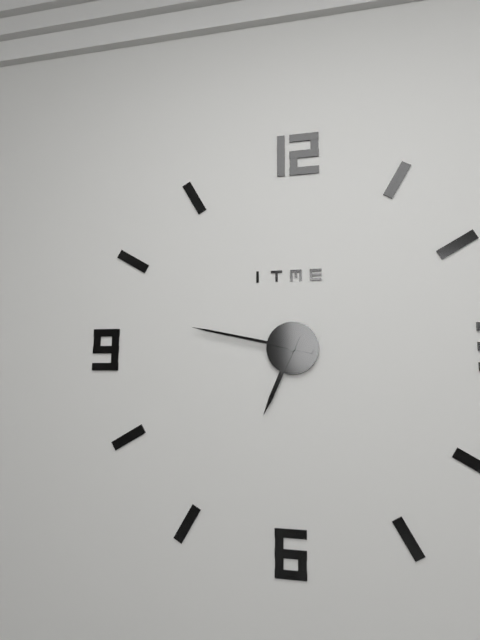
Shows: 6 h 47 min
